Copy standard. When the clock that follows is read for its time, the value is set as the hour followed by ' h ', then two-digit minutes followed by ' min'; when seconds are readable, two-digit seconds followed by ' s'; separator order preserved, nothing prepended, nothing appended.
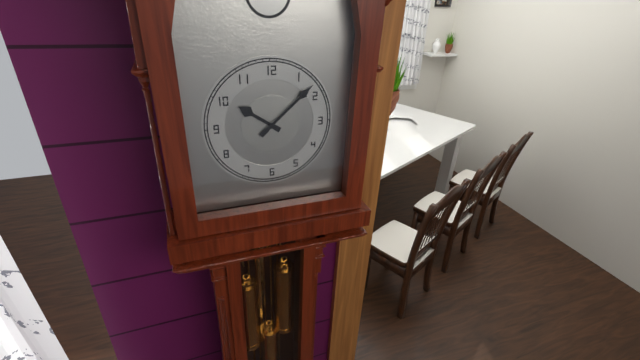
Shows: 10 h 08 min
